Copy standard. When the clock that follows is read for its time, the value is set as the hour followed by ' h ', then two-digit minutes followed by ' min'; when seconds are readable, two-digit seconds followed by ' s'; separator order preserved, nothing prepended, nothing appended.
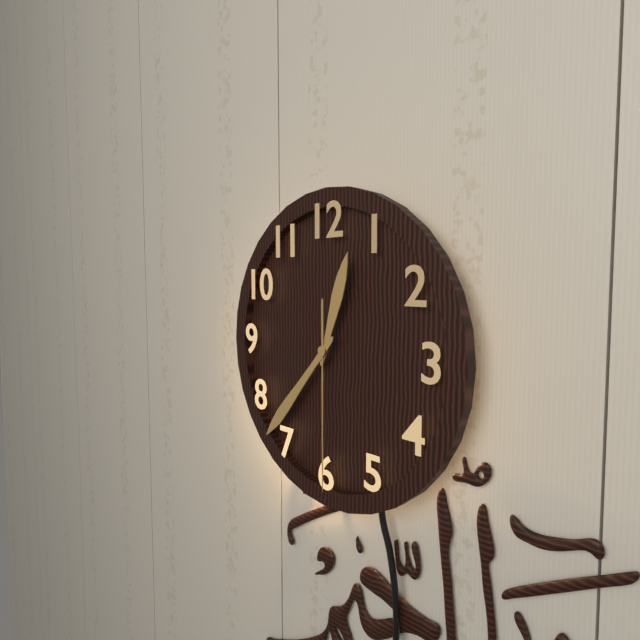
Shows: 12 h 37 min 30 s
